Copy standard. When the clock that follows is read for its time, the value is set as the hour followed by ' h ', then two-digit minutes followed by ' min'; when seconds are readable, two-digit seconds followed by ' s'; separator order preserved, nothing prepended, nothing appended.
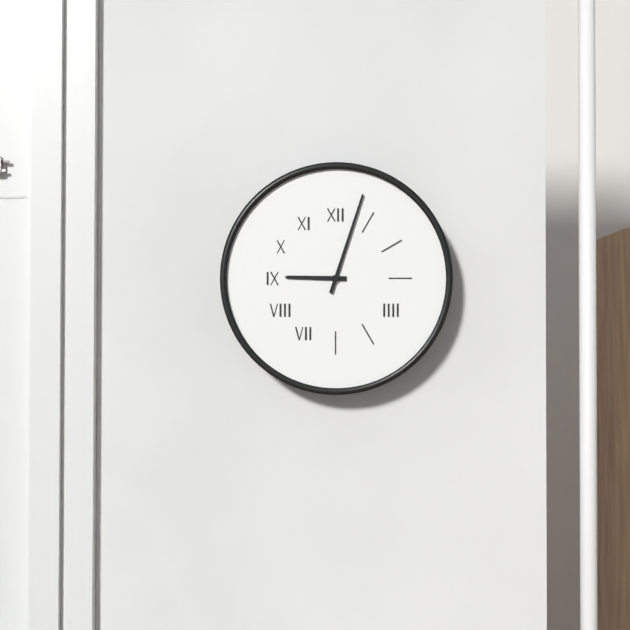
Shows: 9 h 03 min
